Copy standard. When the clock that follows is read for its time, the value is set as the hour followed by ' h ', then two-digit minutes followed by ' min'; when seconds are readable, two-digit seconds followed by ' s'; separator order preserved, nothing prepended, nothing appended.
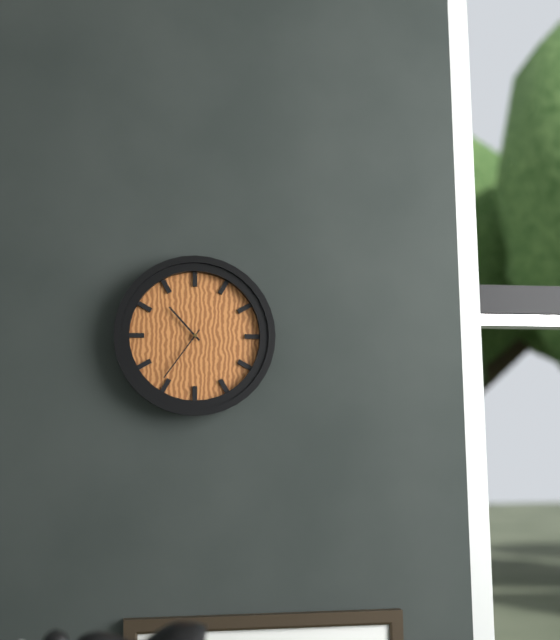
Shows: 10 h 36 min
